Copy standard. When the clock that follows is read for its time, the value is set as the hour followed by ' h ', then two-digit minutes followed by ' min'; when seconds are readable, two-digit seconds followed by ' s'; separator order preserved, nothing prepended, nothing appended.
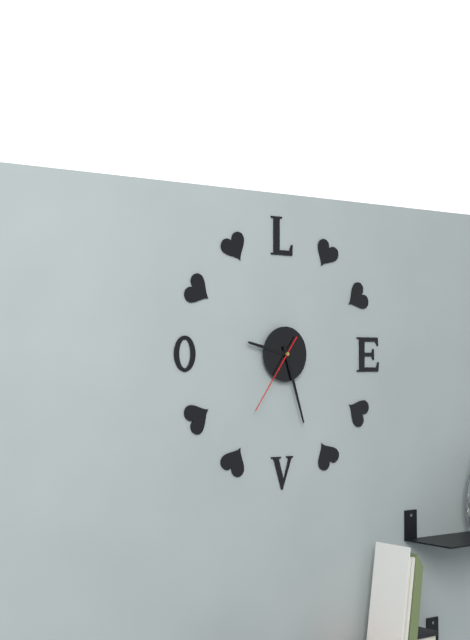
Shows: 9 h 27 min 36 s
